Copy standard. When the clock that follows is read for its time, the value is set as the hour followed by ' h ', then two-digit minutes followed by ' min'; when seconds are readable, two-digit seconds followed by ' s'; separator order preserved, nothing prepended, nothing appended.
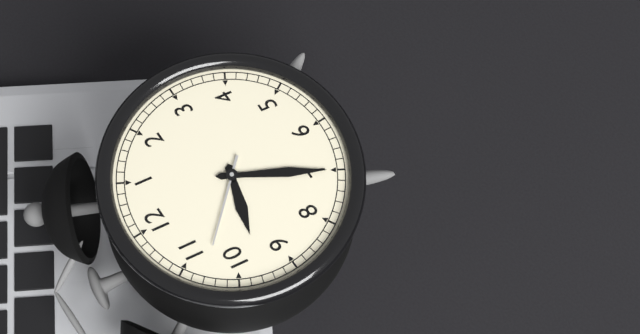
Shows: 9 h 35 min 53 s
